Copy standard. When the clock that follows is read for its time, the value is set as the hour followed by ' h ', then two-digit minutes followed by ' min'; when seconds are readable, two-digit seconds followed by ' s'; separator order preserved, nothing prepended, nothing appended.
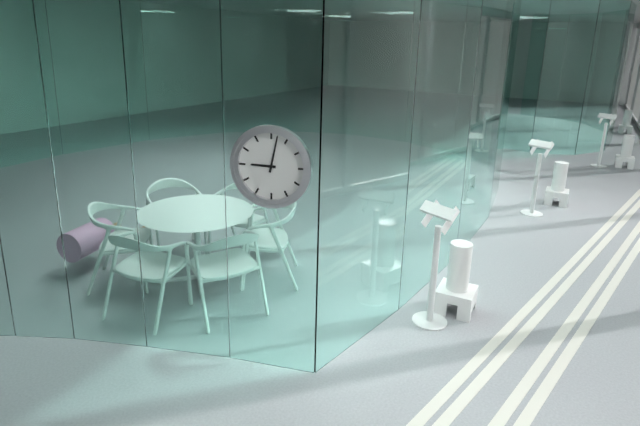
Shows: 9 h 02 min
